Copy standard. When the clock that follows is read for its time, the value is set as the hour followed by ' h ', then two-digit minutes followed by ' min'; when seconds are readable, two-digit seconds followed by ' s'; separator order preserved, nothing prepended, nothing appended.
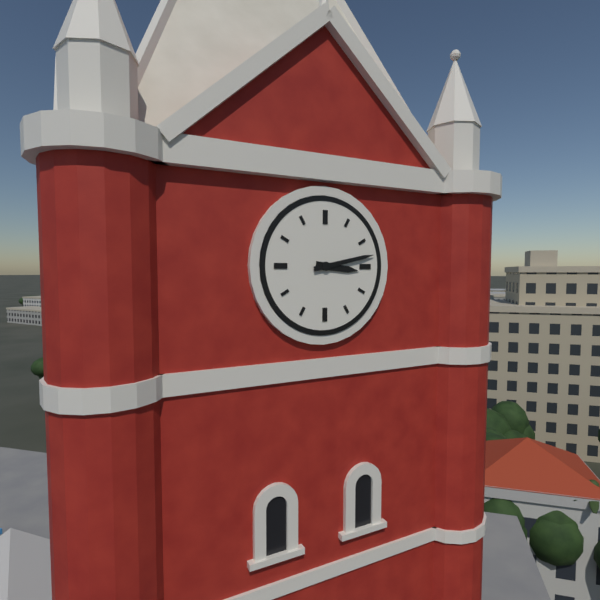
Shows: 3 h 13 min
